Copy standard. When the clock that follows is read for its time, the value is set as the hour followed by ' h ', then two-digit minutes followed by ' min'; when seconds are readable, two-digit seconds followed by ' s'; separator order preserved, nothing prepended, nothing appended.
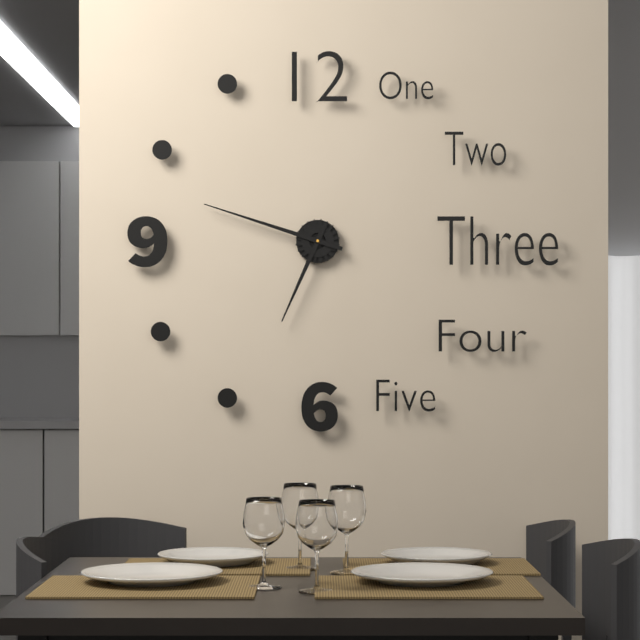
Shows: 6 h 48 min
